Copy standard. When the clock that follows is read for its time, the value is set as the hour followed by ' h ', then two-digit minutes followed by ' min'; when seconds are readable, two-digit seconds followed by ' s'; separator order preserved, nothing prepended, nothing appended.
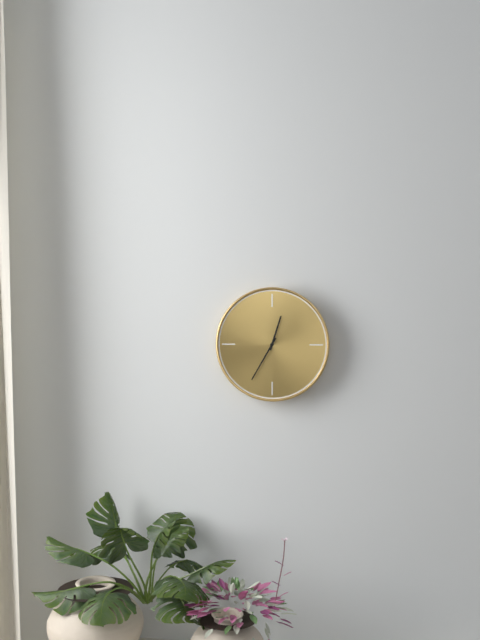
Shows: 12 h 35 min
